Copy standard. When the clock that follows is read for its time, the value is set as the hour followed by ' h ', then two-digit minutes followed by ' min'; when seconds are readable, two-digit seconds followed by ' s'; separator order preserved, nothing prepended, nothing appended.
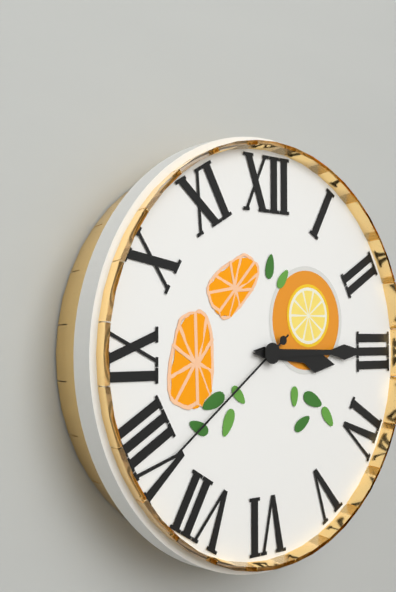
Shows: 3 h 15 min 39 s
